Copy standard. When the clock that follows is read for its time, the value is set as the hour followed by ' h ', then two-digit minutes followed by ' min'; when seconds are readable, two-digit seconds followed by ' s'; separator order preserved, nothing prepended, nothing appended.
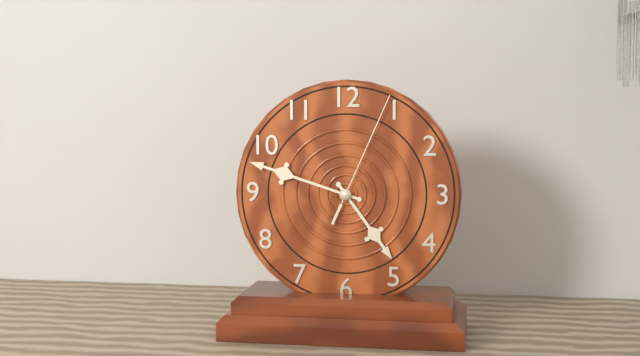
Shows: 4 h 48 min 04 s
